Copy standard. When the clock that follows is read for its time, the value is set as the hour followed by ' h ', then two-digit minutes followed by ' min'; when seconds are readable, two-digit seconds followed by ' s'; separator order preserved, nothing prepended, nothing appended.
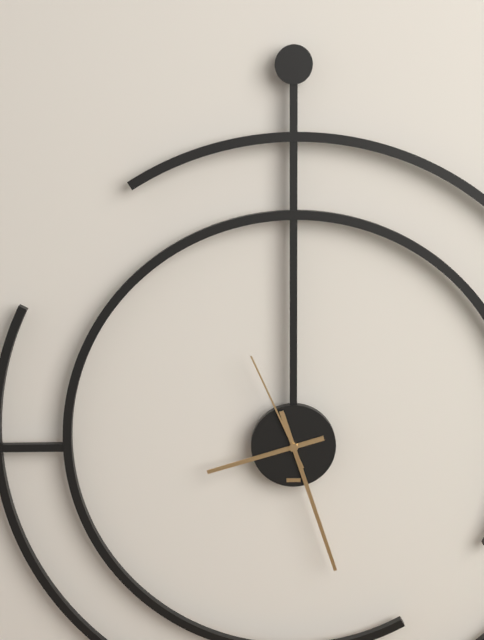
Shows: 8 h 27 min 56 s
